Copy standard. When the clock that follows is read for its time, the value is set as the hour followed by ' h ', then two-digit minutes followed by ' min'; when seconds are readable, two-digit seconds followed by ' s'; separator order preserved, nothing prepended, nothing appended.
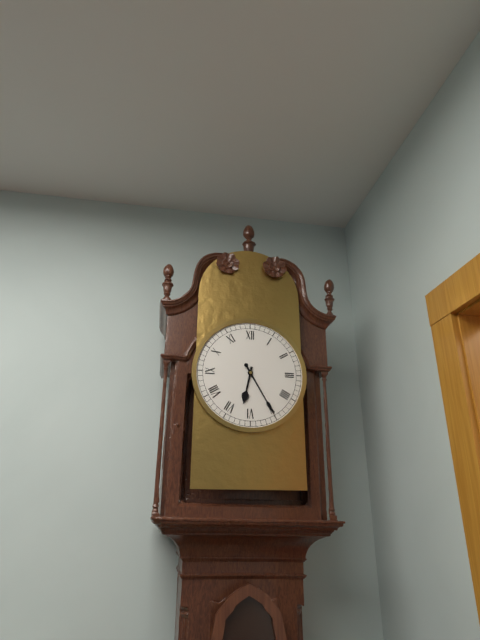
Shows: 6 h 25 min
